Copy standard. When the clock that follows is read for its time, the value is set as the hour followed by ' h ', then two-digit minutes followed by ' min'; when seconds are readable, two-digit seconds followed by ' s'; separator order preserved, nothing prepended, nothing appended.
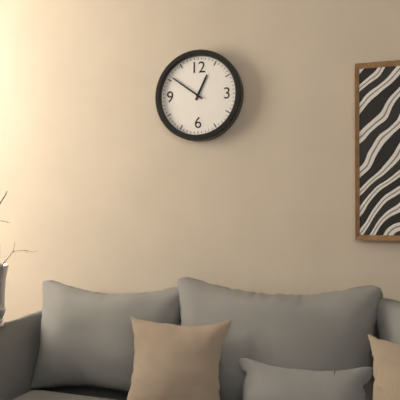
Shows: 12 h 51 min
